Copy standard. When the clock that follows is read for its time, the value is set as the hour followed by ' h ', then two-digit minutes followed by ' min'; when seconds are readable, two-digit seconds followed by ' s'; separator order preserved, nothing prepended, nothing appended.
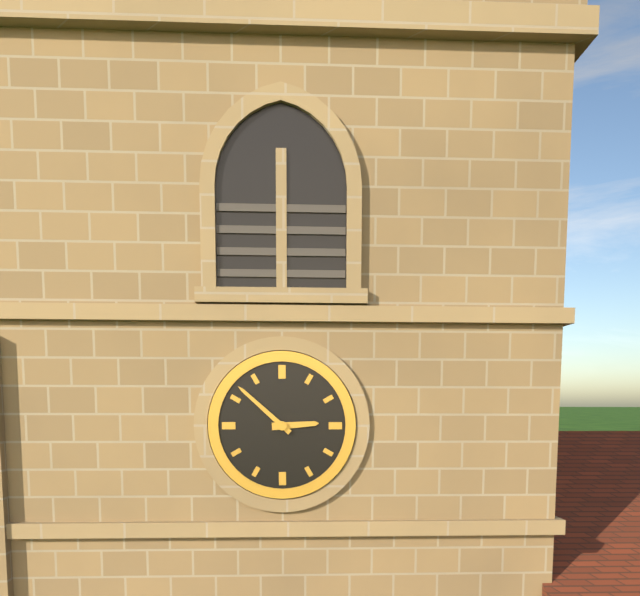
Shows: 2 h 52 min
